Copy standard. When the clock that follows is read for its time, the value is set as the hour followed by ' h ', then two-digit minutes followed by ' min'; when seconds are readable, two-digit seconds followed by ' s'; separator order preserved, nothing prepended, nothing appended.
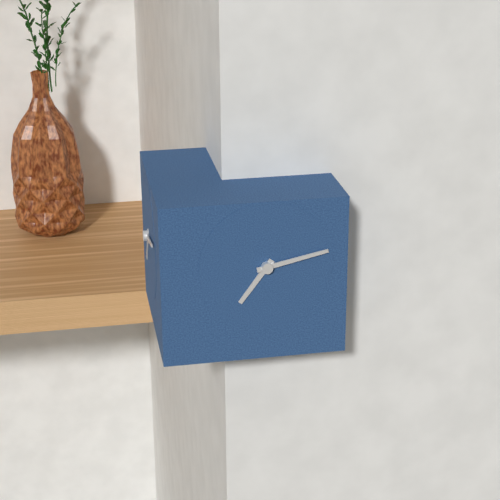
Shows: 7 h 13 min
